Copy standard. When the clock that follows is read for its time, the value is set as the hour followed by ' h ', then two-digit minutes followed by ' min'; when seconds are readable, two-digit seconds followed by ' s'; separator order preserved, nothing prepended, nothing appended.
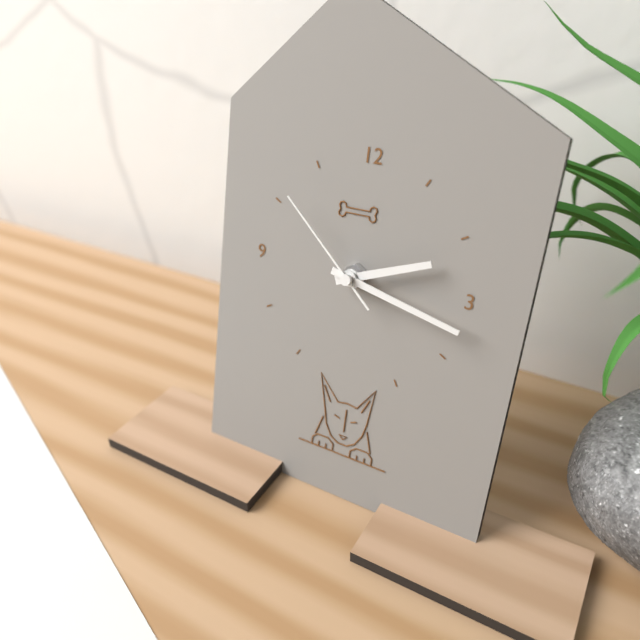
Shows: 2 h 17 min 52 s
